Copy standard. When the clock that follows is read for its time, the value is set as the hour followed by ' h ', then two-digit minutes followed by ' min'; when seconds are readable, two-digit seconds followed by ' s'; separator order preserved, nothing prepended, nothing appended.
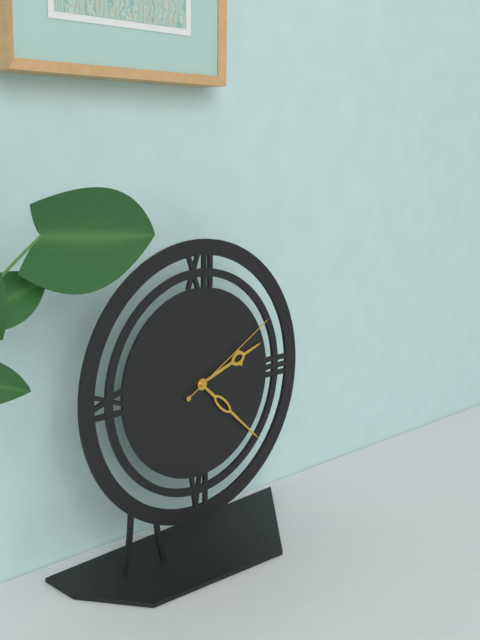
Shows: 2 h 22 min 10 s
